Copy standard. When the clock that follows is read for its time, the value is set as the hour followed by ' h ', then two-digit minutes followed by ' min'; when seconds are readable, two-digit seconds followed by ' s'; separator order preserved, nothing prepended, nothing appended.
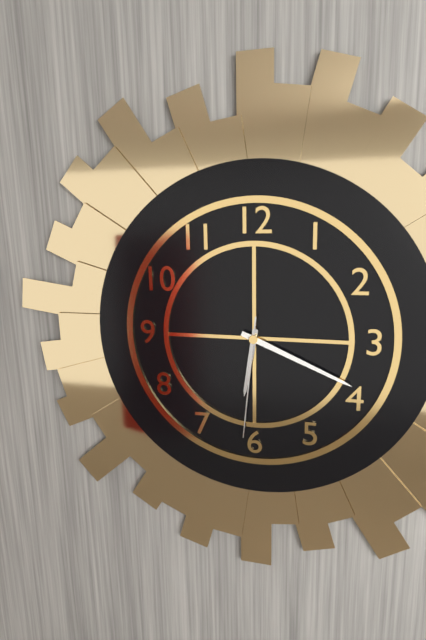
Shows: 6 h 19 min 31 s
